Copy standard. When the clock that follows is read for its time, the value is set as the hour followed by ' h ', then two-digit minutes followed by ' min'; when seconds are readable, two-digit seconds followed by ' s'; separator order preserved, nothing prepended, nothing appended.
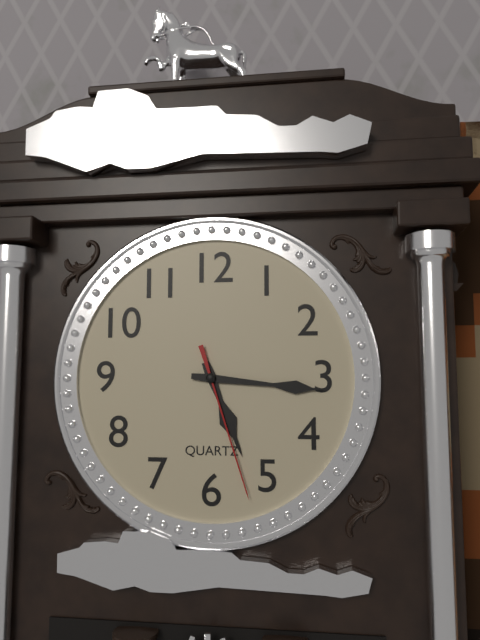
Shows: 5 h 16 min 27 s
